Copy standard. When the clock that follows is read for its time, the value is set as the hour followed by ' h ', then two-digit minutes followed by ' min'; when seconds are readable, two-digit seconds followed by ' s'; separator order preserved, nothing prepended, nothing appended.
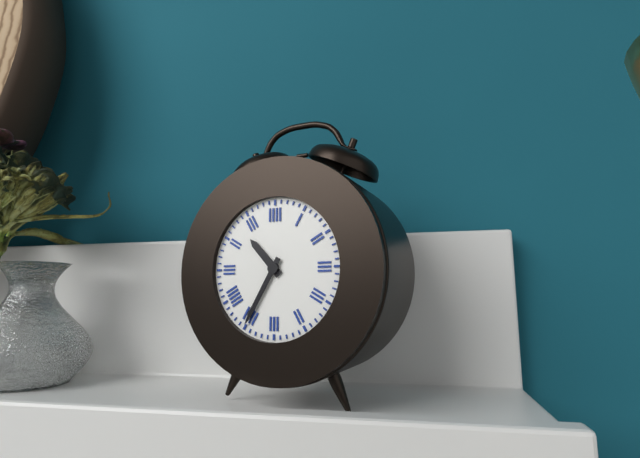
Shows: 10 h 35 min
